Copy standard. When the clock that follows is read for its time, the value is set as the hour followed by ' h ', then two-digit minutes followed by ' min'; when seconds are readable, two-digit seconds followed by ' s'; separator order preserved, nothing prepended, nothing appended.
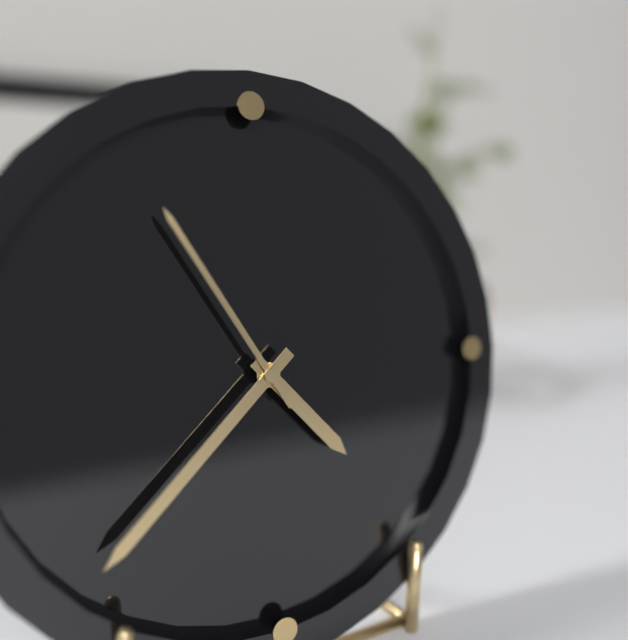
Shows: 4 h 38 min 55 s
